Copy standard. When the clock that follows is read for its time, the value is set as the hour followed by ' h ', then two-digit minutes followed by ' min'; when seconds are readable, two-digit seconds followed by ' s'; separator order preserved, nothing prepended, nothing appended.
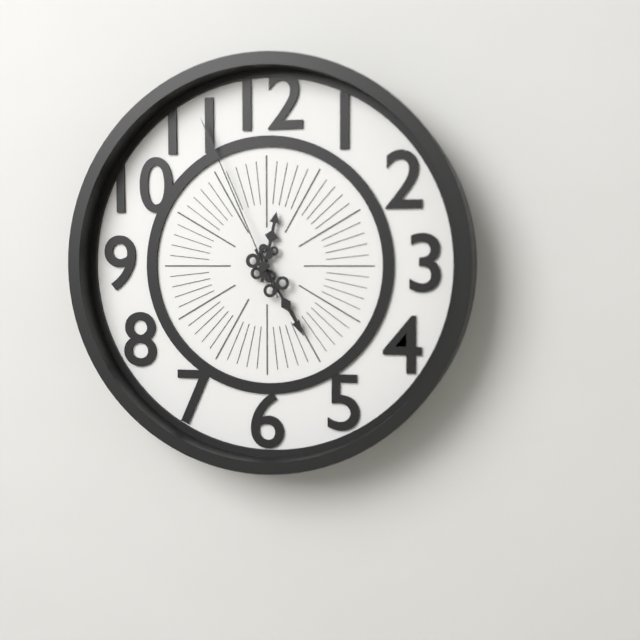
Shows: 12 h 25 min 56 s
